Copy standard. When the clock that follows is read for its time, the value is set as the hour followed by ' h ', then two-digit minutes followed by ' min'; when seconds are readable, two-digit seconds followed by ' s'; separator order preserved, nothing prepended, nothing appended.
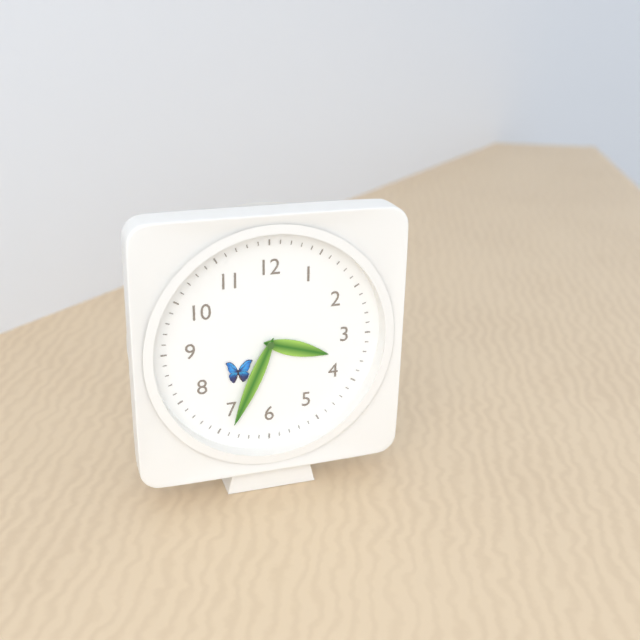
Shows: 3 h 34 min
